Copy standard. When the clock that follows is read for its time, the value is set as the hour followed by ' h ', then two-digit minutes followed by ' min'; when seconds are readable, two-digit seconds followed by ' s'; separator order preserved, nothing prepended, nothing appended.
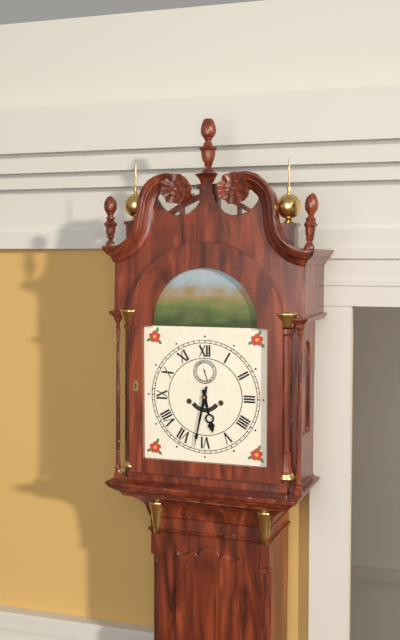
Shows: 5 h 32 min
